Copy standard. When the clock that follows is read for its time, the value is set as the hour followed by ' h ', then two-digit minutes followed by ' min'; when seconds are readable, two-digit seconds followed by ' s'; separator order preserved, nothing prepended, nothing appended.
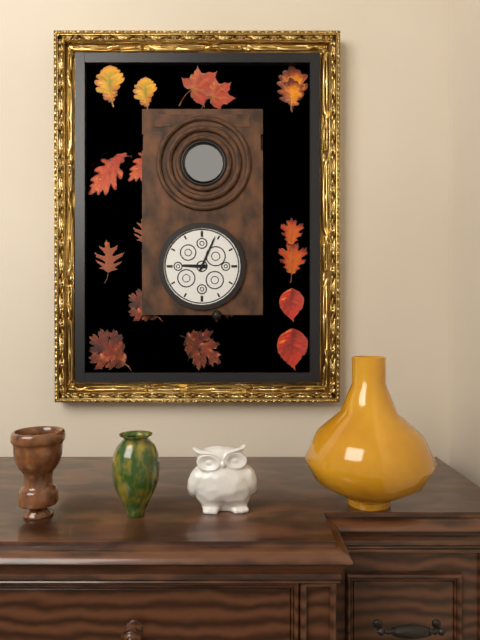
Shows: 9 h 04 min
